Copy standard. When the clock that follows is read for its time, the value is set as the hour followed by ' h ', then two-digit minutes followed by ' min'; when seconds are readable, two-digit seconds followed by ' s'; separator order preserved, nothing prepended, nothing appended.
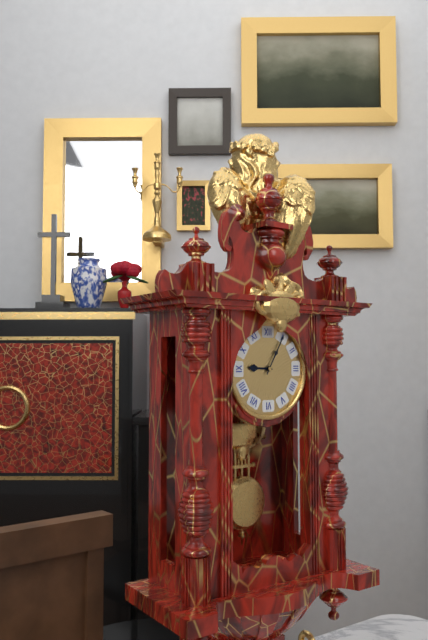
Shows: 9 h 05 min
